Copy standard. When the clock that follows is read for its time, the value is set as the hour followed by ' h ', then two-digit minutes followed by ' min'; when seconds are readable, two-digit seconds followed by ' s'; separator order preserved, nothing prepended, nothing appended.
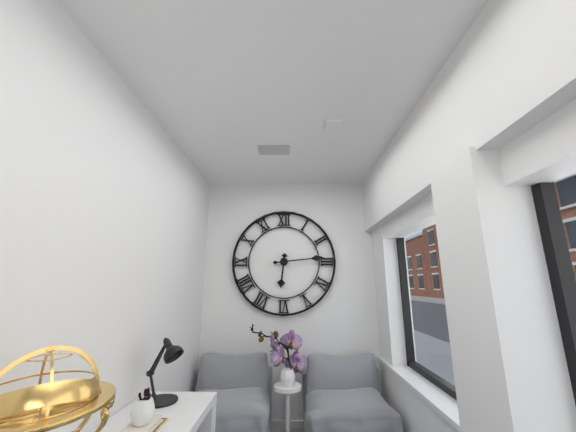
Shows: 6 h 14 min
